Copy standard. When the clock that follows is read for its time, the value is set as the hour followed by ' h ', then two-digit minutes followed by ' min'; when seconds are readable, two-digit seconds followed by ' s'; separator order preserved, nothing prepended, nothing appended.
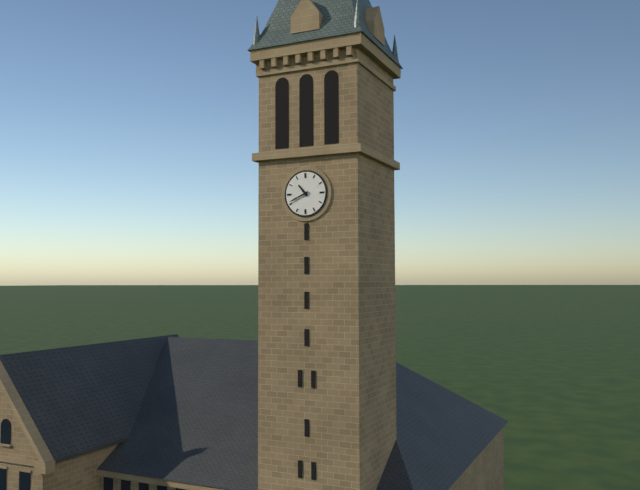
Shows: 10 h 41 min
